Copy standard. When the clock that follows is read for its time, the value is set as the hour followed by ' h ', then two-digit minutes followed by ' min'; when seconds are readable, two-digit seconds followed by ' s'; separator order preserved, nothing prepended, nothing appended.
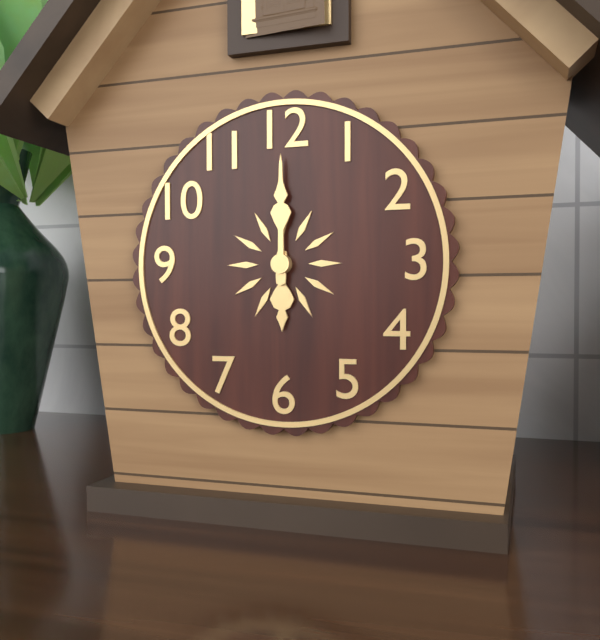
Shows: 6 h 00 min
